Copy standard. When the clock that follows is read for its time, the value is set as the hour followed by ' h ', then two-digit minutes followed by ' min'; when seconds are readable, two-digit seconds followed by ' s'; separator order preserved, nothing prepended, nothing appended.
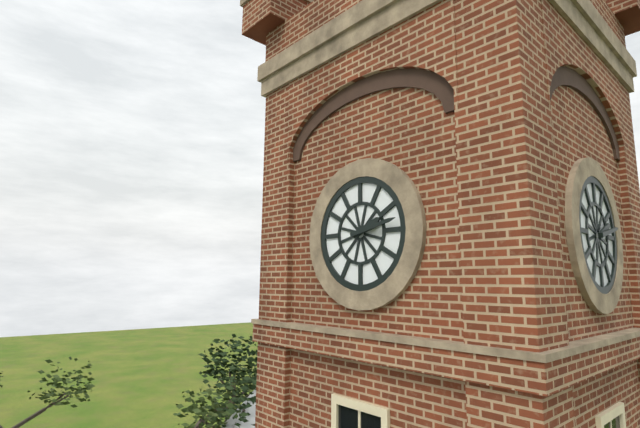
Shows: 2 h 13 min
